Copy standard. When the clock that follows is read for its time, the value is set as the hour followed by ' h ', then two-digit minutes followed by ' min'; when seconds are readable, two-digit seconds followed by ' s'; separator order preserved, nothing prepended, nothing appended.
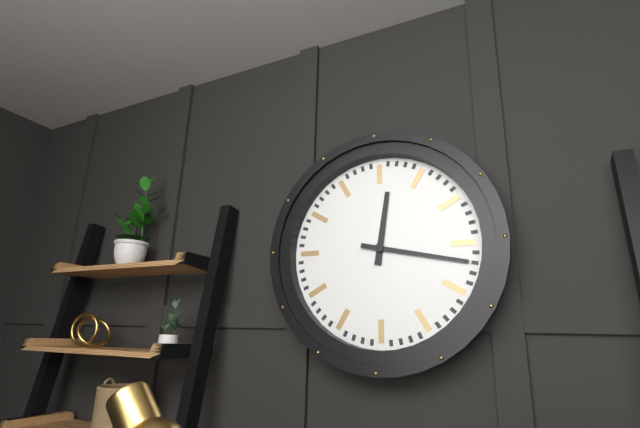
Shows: 12 h 17 min
